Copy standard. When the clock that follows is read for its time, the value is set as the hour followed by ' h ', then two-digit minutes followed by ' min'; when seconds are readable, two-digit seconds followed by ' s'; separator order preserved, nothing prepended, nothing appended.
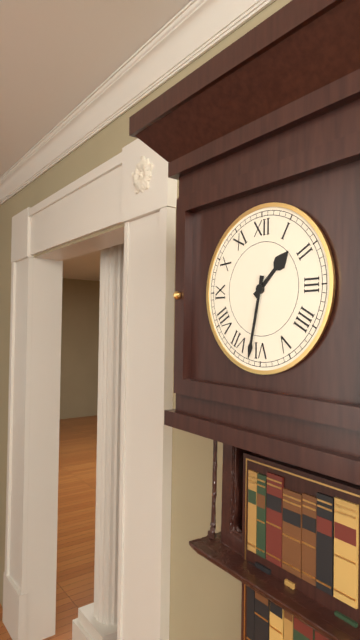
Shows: 1 h 32 min
